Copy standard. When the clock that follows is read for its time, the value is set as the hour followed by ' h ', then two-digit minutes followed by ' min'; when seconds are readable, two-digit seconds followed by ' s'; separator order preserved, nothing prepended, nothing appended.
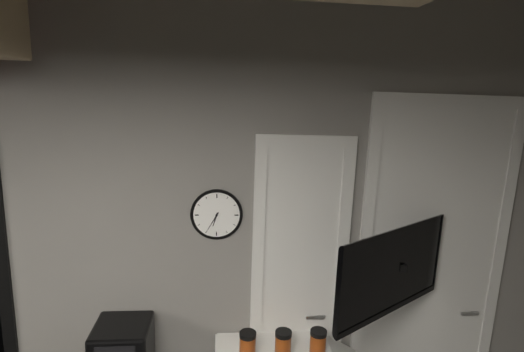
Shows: 6 h 35 min
